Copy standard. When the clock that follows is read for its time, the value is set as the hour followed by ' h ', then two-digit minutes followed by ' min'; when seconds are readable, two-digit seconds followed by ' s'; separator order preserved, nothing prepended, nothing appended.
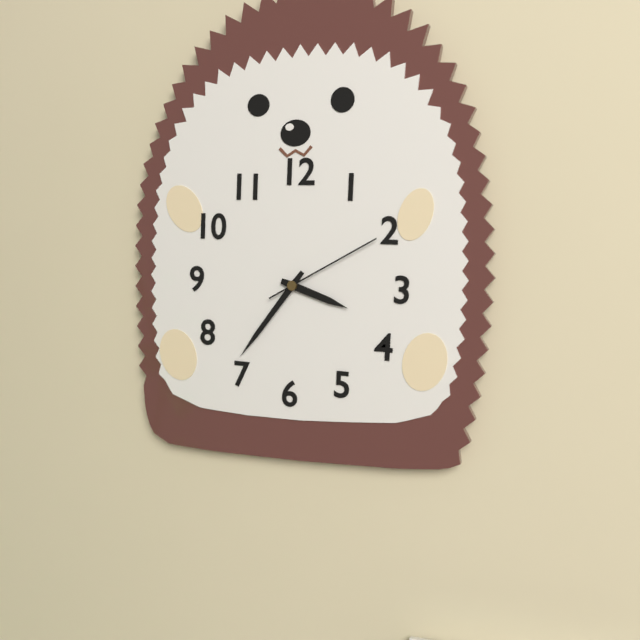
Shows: 3 h 36 min 10 s
